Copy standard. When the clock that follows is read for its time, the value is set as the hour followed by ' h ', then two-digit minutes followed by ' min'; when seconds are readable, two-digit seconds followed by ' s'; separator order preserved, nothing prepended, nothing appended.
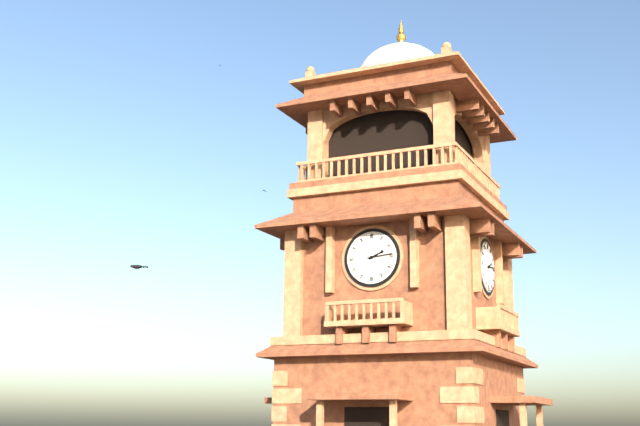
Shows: 2 h 14 min
